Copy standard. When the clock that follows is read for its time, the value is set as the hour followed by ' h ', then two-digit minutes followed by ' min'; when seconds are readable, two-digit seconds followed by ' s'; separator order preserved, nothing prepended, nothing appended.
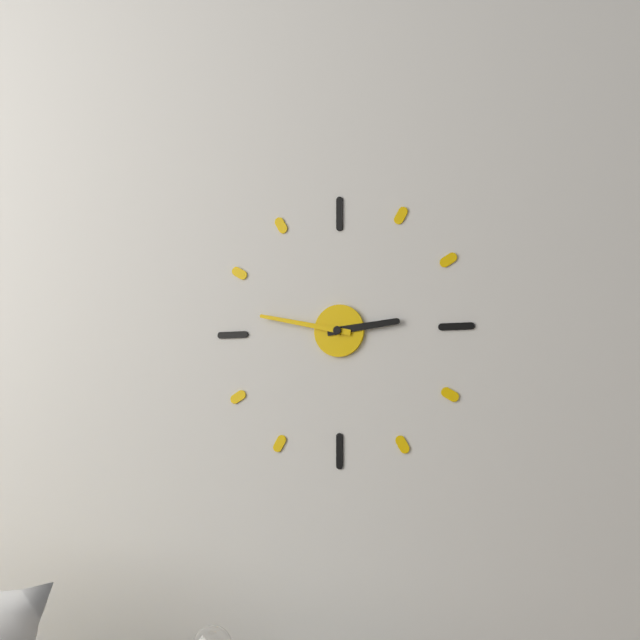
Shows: 2 h 47 min
